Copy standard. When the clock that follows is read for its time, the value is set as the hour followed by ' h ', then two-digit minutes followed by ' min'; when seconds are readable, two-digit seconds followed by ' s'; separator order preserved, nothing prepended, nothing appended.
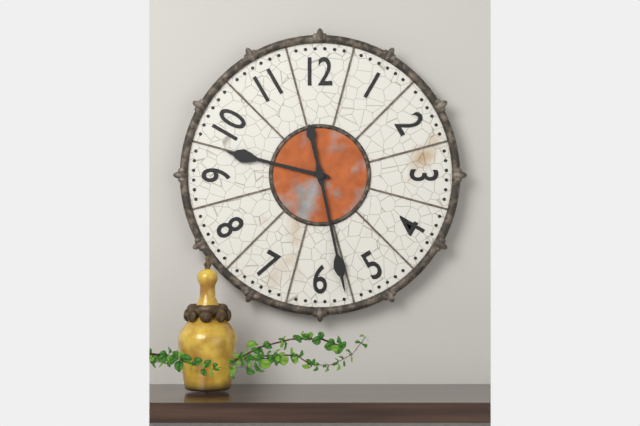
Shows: 9 h 28 min
